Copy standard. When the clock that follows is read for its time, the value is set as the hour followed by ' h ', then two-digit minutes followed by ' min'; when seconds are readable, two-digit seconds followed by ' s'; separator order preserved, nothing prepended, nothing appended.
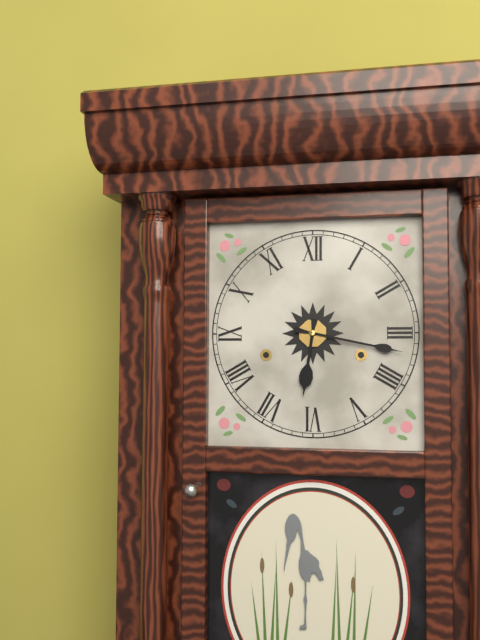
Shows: 6 h 17 min
